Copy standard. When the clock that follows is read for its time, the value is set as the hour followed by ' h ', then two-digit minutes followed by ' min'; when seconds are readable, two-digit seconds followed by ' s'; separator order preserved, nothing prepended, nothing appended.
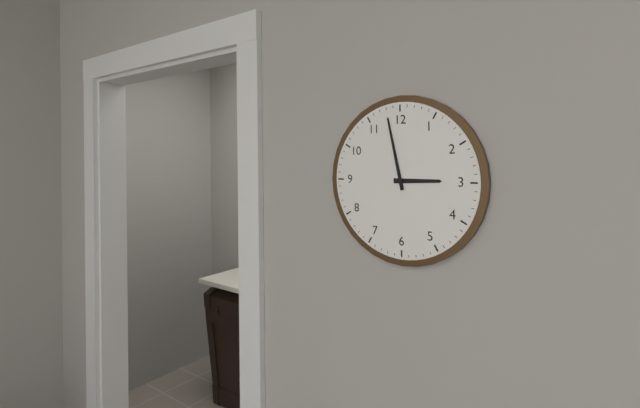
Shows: 2 h 58 min
